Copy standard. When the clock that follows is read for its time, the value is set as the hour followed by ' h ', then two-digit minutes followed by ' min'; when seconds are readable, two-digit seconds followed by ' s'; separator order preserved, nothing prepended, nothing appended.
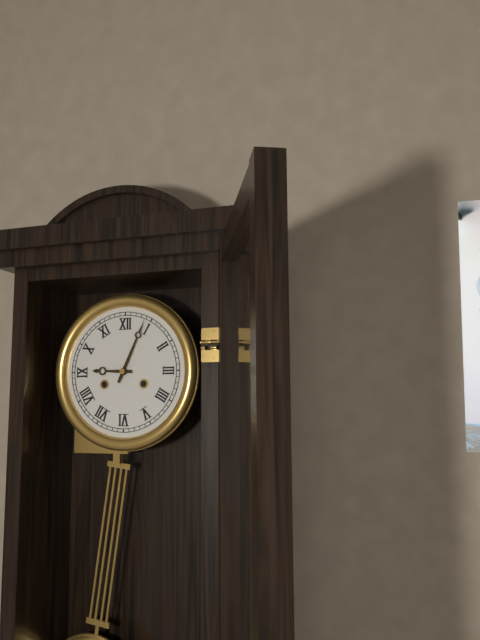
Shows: 9 h 04 min
